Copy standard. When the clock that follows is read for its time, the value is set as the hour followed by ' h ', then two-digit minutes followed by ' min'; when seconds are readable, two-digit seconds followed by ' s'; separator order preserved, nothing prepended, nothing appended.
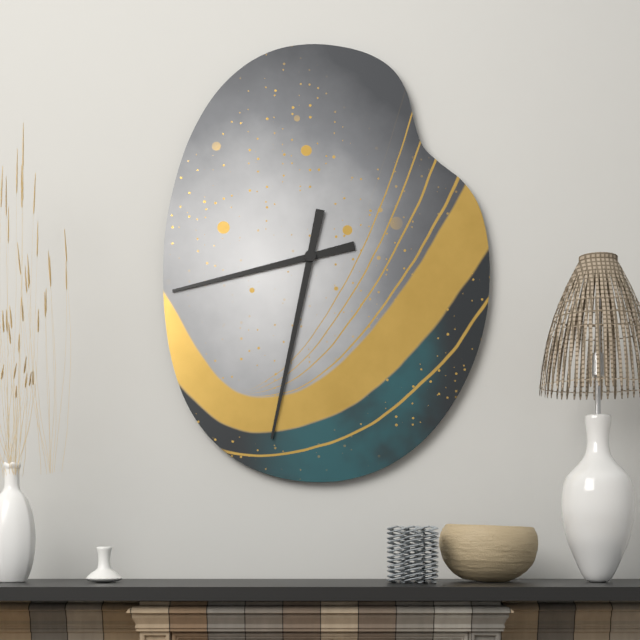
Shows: 8 h 32 min
